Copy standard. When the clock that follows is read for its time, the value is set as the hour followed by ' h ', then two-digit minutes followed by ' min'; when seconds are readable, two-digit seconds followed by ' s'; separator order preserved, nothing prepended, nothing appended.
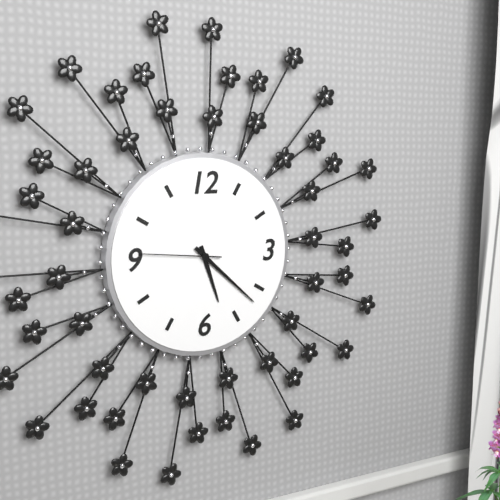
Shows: 5 h 22 min 46 s
